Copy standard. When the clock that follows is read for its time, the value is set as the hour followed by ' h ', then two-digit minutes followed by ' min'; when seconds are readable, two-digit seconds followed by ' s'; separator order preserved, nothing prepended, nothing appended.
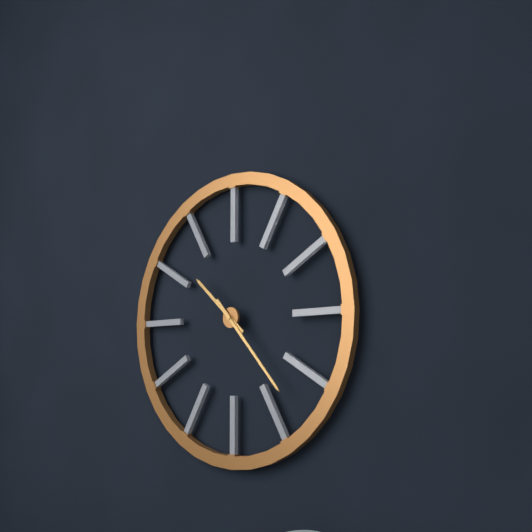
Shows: 10 h 23 min
